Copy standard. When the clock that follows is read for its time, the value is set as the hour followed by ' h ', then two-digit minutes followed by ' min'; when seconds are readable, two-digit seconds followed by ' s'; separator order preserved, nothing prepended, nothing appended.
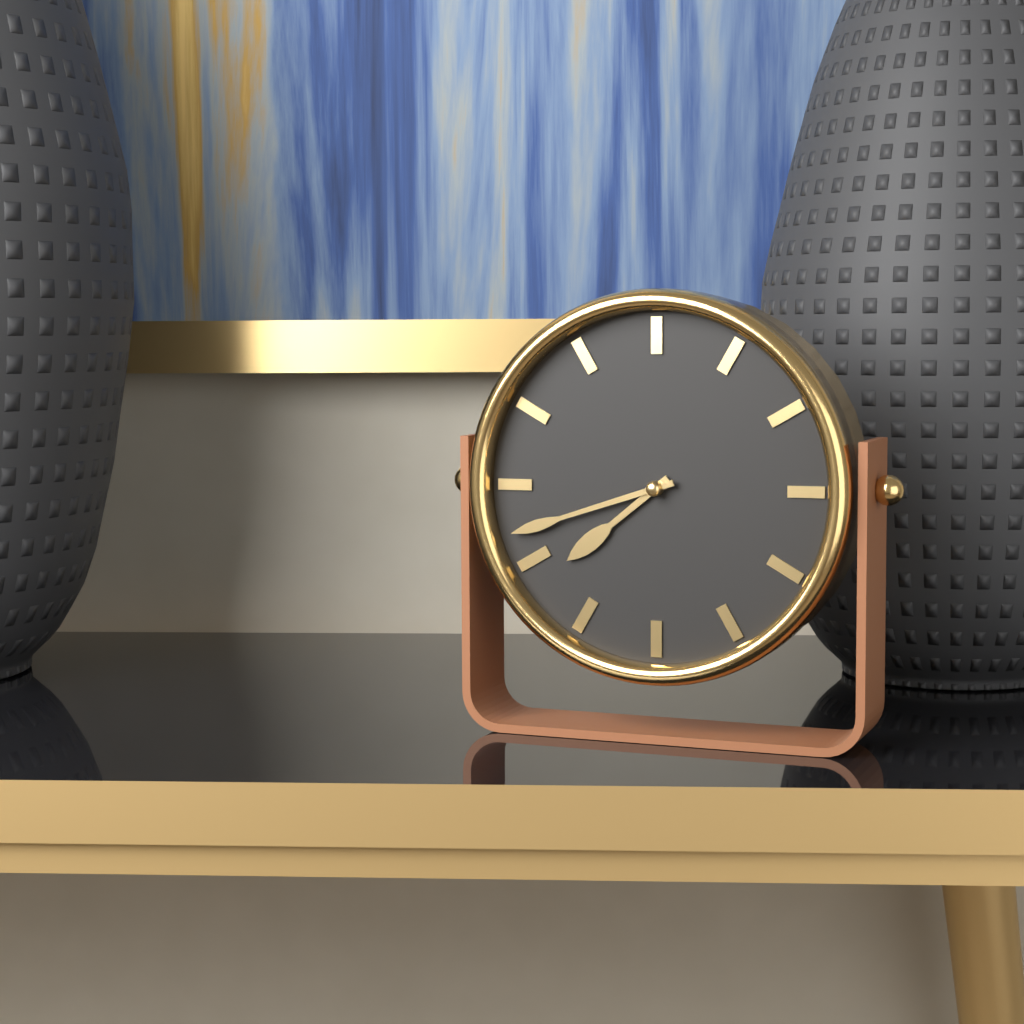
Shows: 7 h 42 min
